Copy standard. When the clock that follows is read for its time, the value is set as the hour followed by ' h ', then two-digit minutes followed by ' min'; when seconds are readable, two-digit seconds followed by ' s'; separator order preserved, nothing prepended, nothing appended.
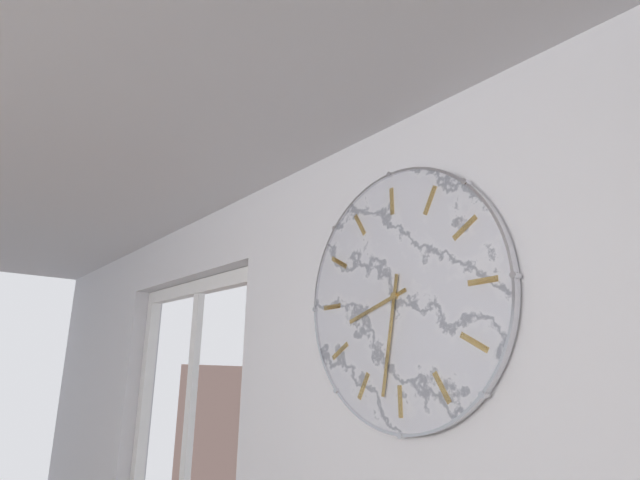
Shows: 7 h 27 min
